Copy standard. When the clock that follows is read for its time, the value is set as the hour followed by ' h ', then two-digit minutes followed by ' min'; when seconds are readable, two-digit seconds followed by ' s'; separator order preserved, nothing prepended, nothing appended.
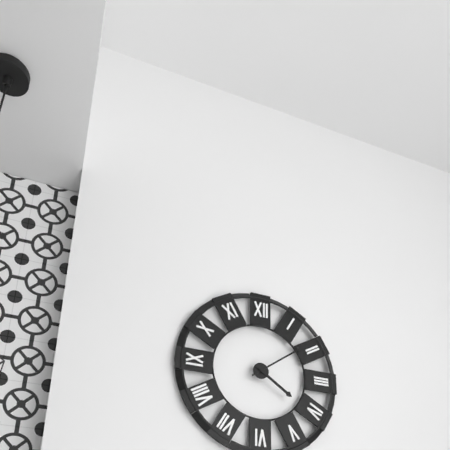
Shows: 4 h 09 min
